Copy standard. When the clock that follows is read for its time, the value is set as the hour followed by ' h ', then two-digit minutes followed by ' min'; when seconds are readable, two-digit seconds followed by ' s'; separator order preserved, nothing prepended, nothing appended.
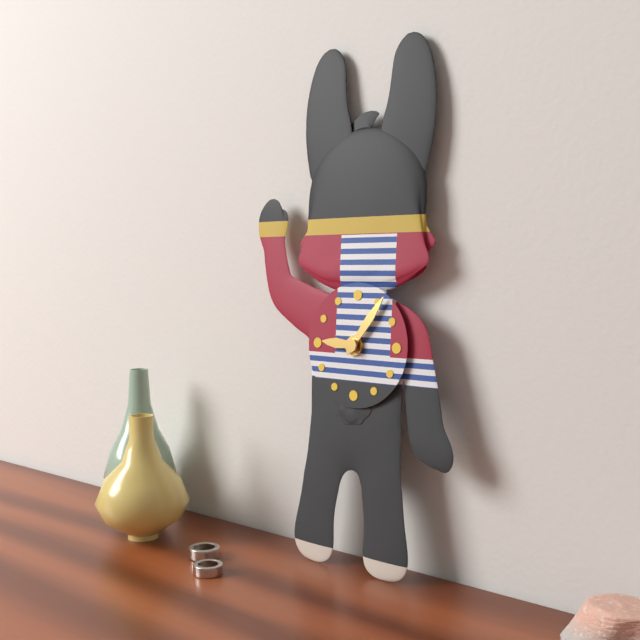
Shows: 9 h 06 min
